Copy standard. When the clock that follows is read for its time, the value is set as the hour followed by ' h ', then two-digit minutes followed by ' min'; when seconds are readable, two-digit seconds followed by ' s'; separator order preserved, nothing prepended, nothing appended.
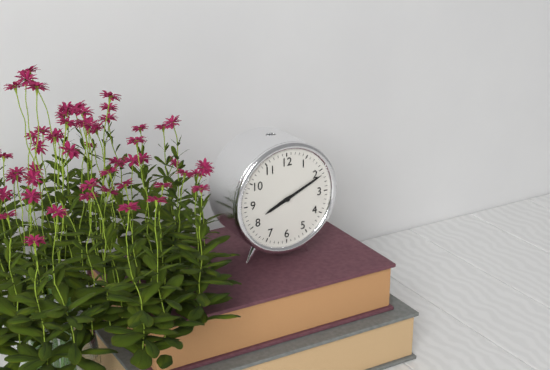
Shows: 8 h 11 min
